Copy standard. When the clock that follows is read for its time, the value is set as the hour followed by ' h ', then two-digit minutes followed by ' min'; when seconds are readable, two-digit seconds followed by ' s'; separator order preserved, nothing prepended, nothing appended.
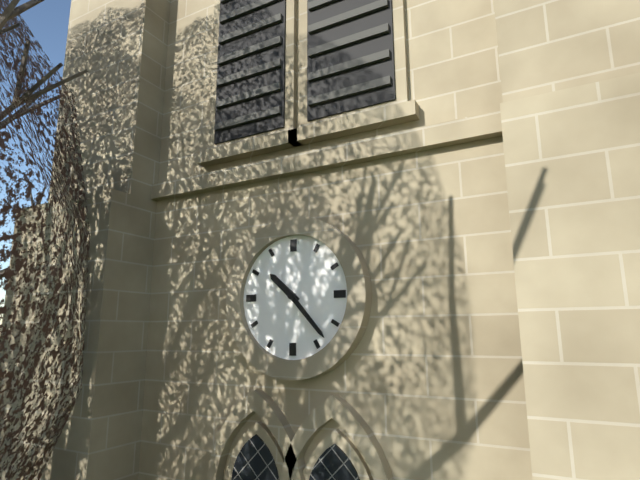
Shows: 10 h 23 min
